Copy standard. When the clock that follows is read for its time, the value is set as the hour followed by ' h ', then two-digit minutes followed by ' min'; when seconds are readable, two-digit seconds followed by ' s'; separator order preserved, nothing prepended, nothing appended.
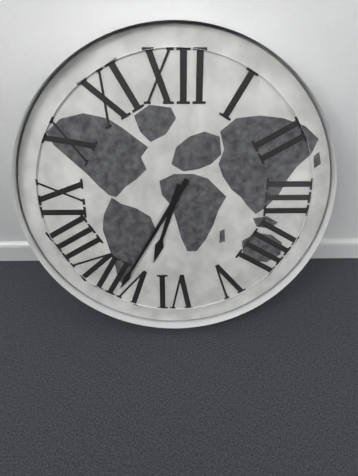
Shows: 6 h 35 min
